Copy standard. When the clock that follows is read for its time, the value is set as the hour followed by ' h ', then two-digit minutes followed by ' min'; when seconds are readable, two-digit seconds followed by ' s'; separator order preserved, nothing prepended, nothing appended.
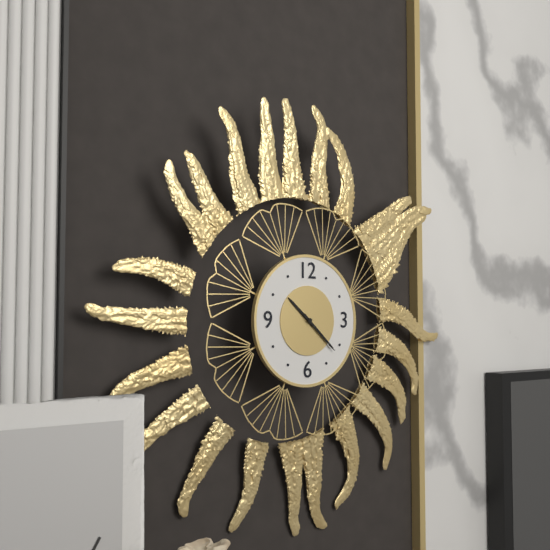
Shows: 10 h 22 min
